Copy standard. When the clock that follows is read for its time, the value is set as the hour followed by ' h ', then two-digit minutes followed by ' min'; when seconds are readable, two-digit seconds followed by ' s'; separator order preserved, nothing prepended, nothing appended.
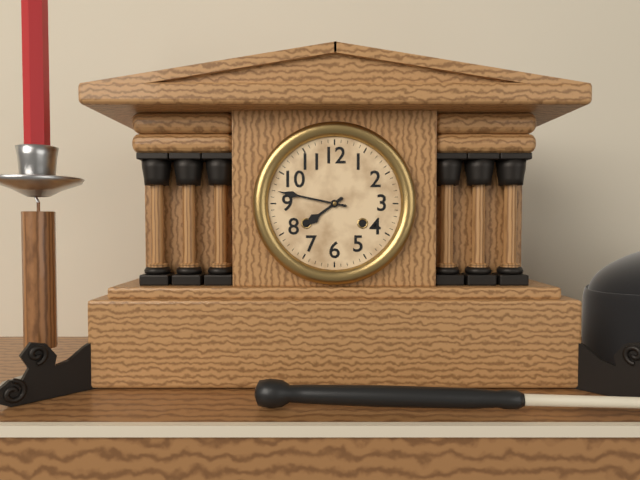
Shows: 7 h 47 min
